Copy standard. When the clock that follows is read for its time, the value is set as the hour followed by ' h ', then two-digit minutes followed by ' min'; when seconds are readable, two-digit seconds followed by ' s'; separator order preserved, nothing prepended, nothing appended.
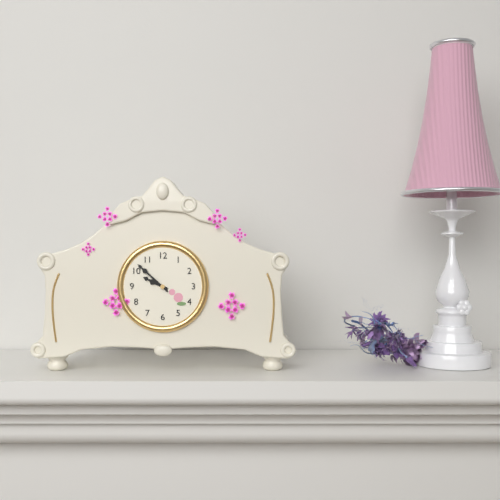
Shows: 9 h 52 min
